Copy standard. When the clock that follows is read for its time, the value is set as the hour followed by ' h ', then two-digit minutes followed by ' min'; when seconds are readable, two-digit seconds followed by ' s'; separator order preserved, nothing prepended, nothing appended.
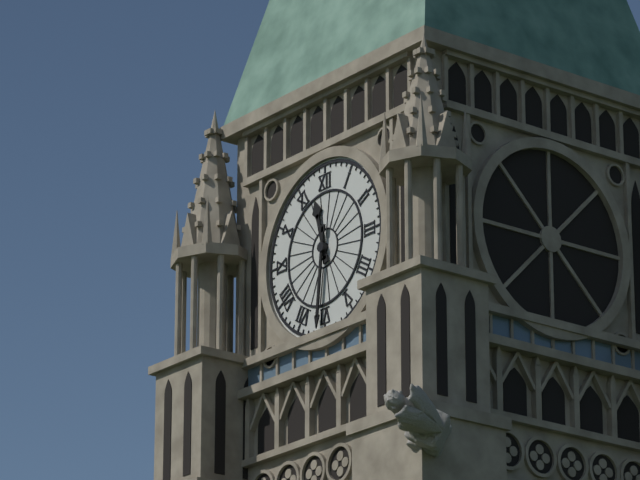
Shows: 11 h 31 min
